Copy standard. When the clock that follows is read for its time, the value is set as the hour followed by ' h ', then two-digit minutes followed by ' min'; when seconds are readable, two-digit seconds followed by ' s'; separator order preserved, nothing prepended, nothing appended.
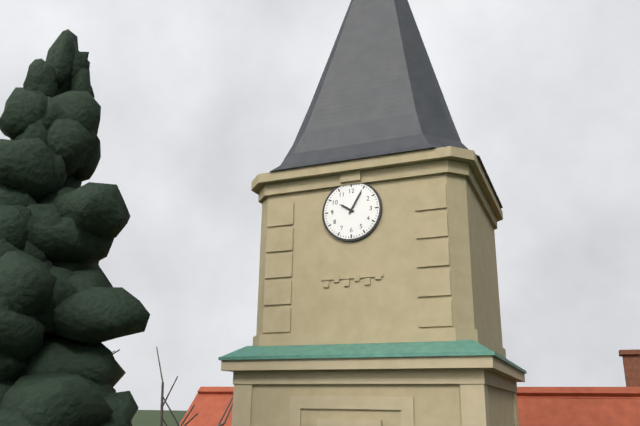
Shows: 10 h 05 min
